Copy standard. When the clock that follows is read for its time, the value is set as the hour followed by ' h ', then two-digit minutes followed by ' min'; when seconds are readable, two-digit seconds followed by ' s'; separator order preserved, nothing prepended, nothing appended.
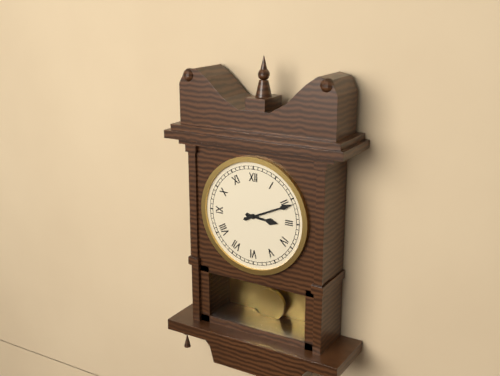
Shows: 3 h 11 min
